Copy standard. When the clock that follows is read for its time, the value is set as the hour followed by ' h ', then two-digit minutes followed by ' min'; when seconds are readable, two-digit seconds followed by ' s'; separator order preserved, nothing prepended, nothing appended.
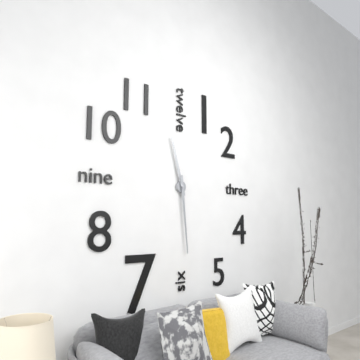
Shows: 11 h 29 min
